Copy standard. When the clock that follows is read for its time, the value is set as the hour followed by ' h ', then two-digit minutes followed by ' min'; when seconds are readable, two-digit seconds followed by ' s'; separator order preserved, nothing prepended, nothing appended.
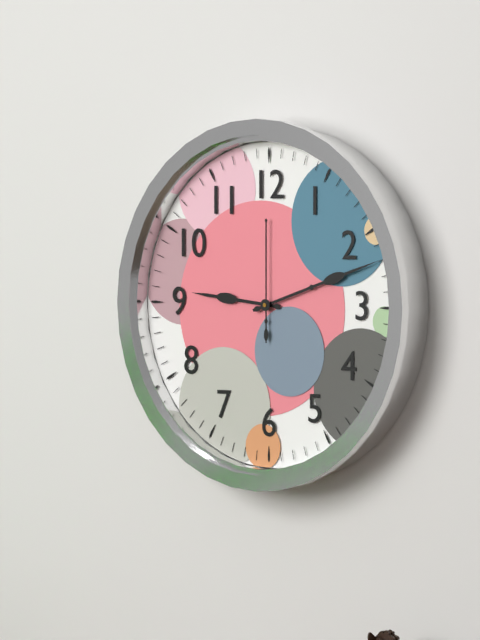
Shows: 9 h 12 min 00 s
